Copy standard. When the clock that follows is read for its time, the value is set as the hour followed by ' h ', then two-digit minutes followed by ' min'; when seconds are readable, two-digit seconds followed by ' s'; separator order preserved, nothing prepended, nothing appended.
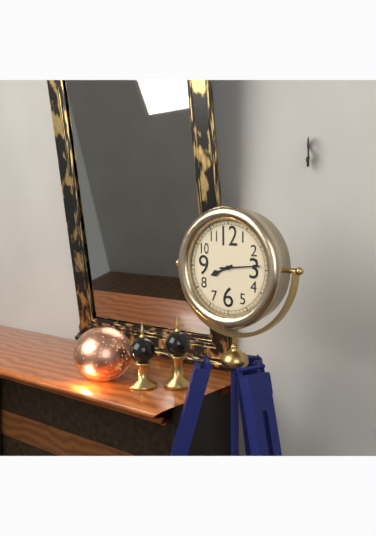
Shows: 8 h 14 min
